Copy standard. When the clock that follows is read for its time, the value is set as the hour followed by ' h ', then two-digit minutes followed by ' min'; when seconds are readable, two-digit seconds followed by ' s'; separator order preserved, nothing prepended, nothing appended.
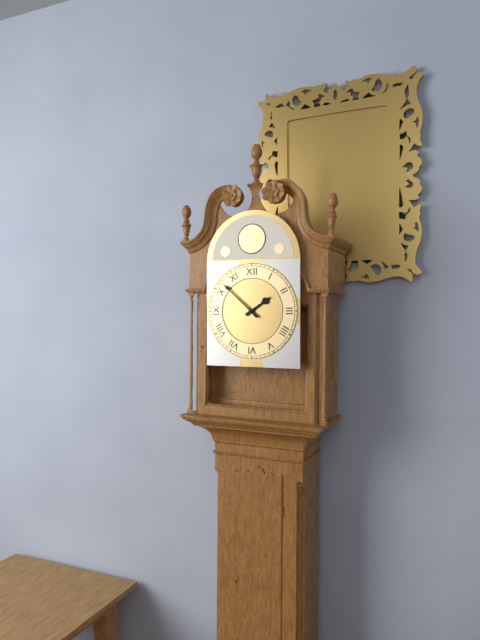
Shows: 1 h 52 min
